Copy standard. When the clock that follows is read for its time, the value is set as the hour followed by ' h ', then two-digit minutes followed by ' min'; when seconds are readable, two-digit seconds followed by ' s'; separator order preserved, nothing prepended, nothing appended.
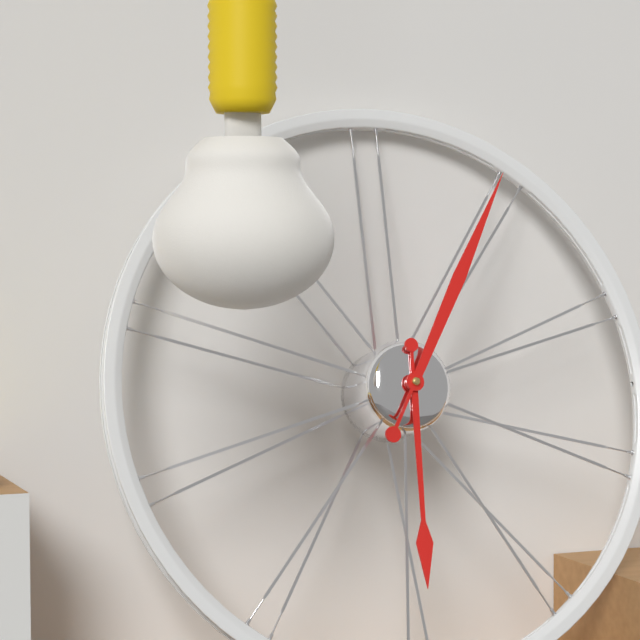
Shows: 6 h 05 min
